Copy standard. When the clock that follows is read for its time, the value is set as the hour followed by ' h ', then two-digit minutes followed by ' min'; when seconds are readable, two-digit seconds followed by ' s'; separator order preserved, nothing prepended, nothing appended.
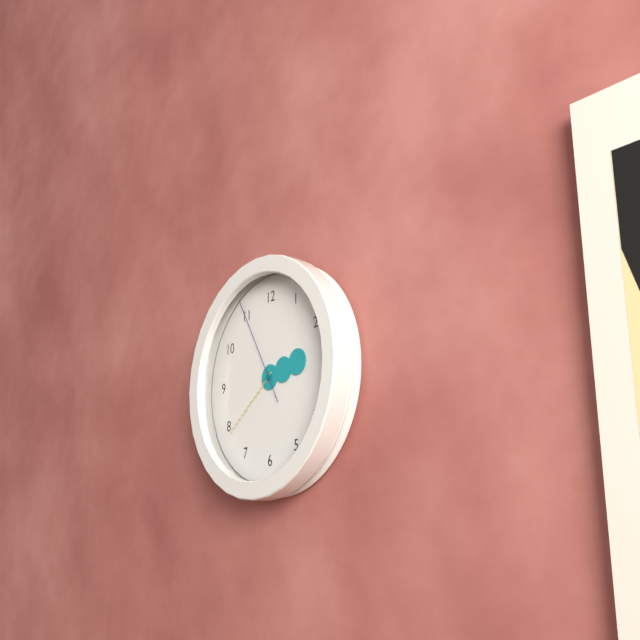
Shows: 2 h 39 min 55 s
